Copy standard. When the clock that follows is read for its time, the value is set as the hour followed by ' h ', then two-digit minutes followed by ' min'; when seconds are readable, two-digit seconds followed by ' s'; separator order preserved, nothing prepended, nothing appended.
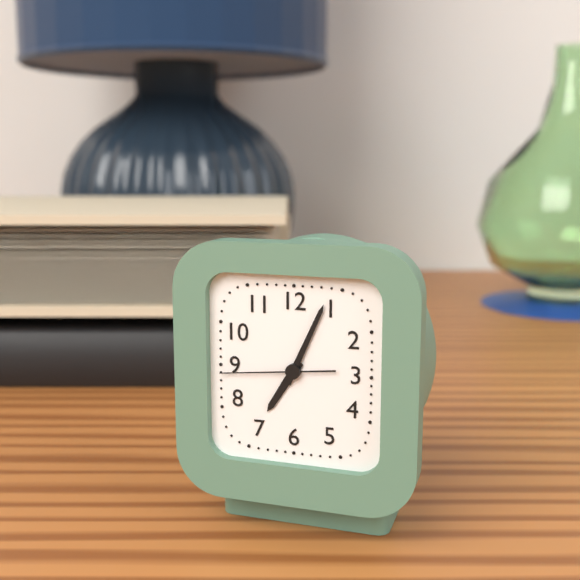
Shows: 7 h 04 min 44 s
